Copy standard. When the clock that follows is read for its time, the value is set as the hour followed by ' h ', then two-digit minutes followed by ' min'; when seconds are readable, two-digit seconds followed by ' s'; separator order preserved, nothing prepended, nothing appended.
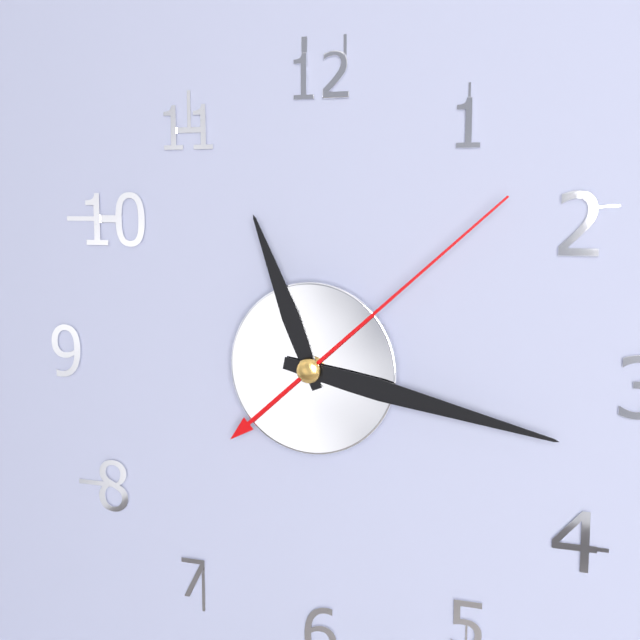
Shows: 11 h 17 min 08 s
